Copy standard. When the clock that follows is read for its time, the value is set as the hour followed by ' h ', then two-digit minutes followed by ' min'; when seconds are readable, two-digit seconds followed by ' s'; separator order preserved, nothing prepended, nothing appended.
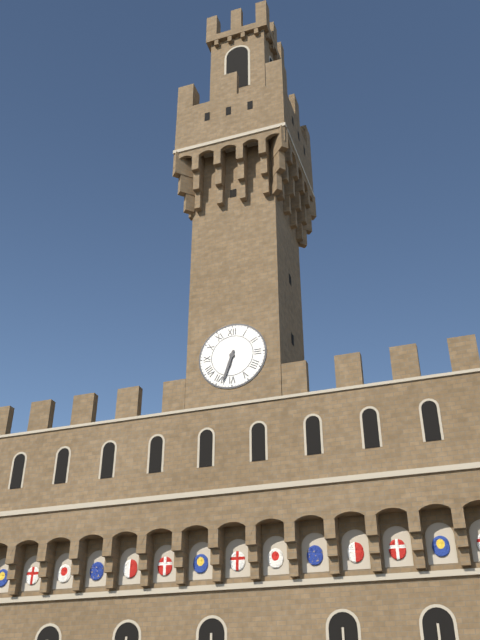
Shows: 6 h 33 min
